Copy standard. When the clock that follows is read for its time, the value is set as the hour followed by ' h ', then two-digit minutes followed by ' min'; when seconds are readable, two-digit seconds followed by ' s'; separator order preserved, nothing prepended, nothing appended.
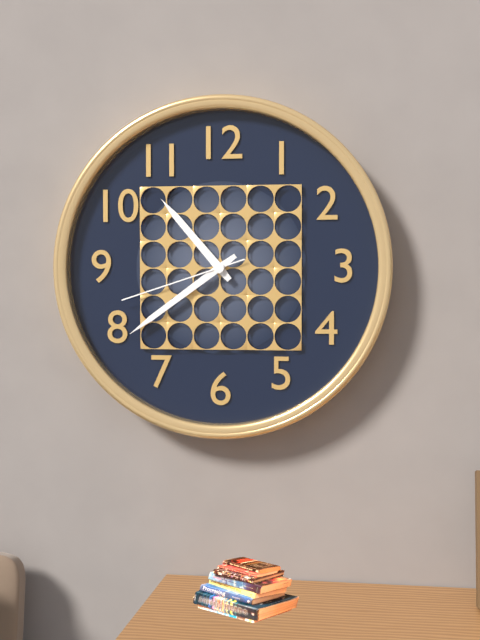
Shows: 10 h 39 min 42 s
